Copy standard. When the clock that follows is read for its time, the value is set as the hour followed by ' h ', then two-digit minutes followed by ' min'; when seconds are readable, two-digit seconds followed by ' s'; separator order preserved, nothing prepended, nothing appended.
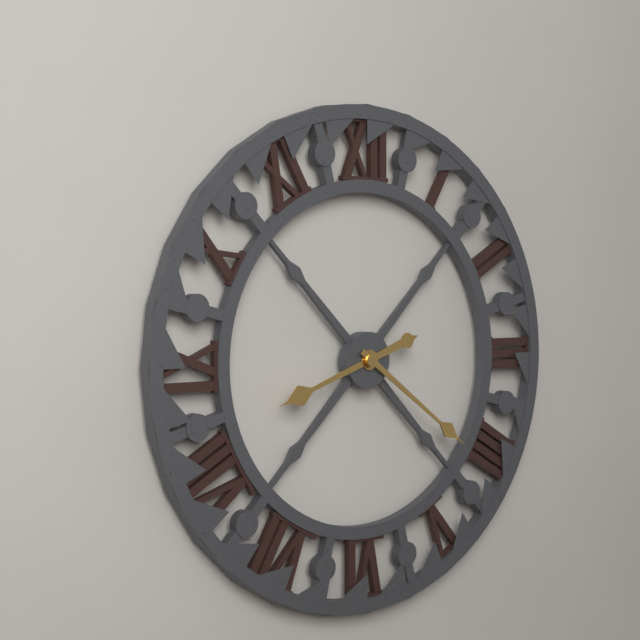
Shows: 8 h 21 min
